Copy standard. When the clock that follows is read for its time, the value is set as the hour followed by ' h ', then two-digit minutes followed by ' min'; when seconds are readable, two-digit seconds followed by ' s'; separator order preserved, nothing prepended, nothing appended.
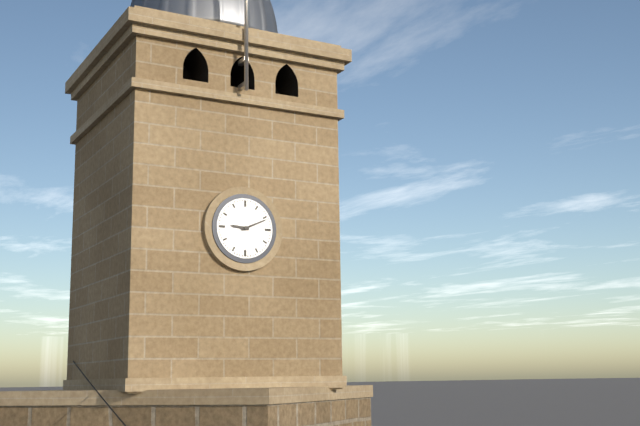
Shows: 9 h 11 min
